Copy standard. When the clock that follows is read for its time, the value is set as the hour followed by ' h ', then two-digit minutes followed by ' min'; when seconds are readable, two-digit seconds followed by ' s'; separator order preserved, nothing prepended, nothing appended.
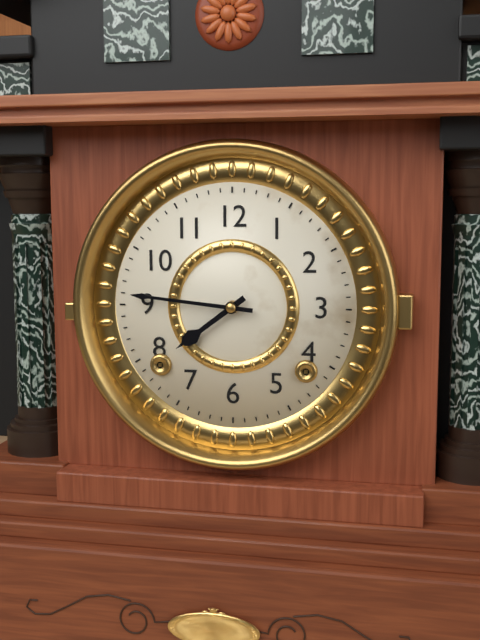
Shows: 7 h 46 min
